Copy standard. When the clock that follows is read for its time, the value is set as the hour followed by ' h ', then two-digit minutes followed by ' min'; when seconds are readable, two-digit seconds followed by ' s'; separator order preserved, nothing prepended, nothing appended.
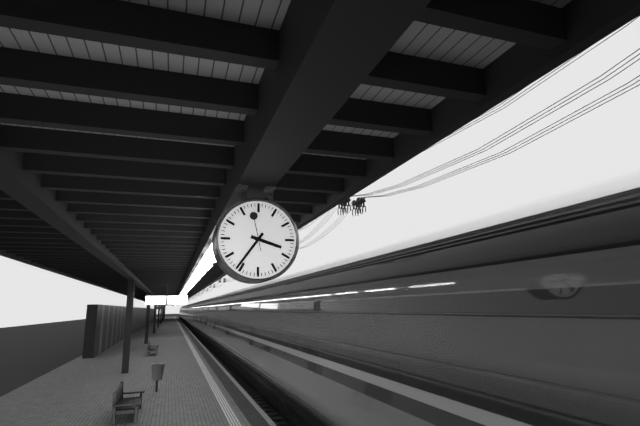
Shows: 3 h 36 min
